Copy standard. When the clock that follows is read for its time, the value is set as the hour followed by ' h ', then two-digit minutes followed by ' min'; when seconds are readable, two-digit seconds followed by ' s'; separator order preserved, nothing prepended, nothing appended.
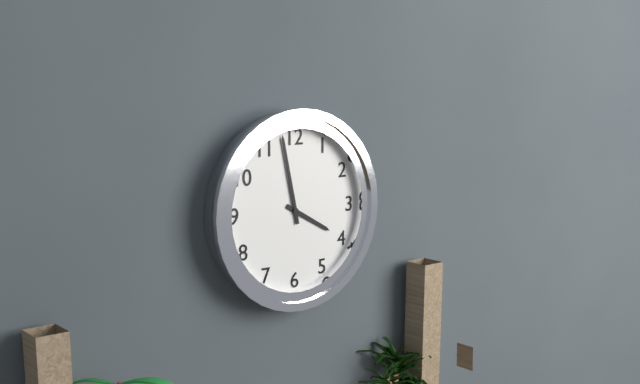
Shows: 3 h 58 min
